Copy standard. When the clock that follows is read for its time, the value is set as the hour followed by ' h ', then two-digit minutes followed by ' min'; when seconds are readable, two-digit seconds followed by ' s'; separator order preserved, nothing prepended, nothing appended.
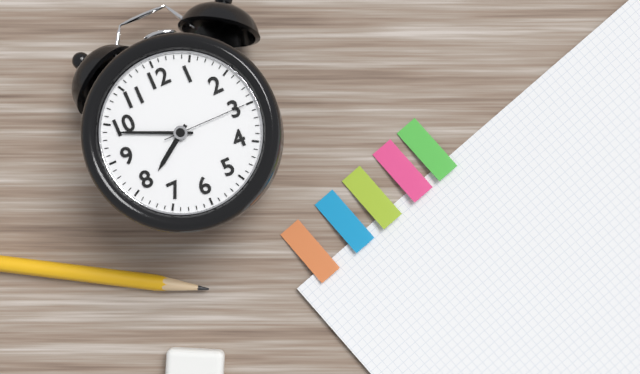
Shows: 7 h 49 min 15 s
